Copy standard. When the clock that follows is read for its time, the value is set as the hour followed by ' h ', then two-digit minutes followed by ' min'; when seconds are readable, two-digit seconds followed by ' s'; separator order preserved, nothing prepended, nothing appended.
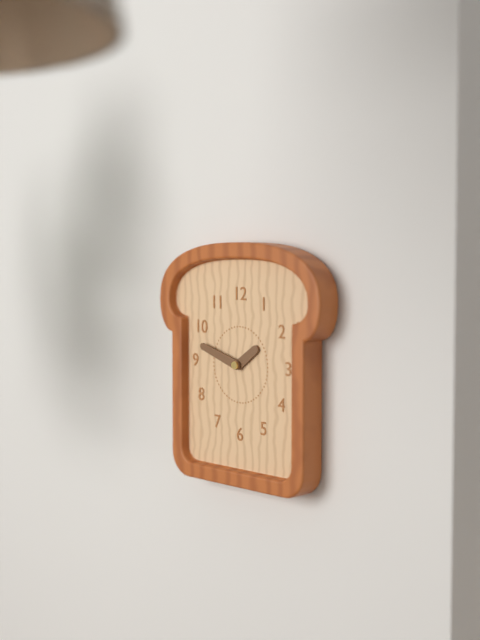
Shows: 1 h 48 min
